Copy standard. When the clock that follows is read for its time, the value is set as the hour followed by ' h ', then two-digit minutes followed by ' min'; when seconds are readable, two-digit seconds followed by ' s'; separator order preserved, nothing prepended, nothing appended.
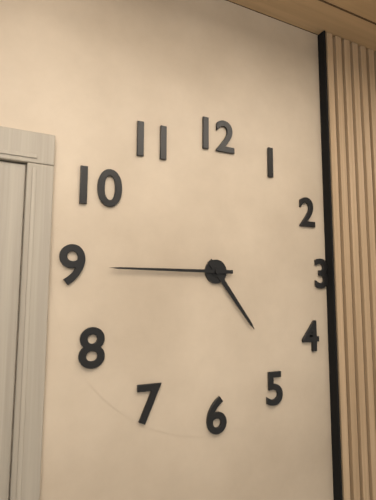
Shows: 4 h 45 min
